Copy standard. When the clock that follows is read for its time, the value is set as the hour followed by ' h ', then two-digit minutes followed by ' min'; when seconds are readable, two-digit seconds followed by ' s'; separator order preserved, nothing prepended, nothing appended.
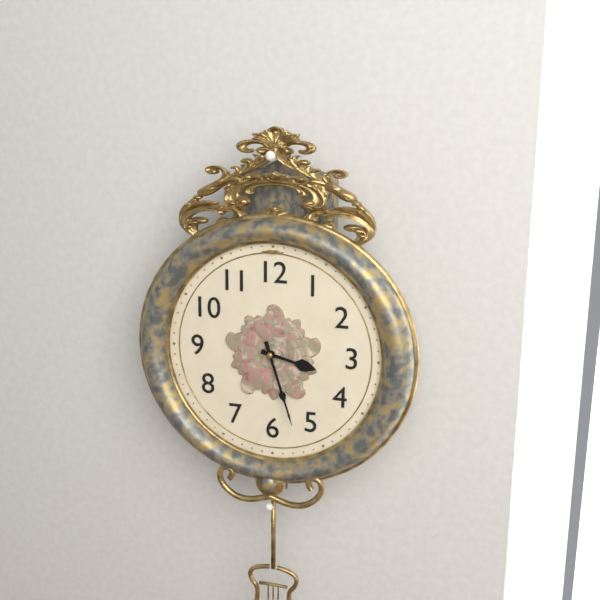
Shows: 3 h 27 min
